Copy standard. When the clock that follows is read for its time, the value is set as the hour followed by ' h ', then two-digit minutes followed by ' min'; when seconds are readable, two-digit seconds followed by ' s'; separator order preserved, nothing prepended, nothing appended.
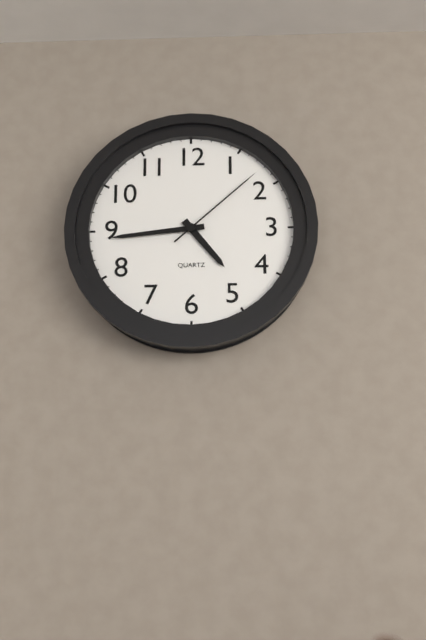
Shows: 4 h 44 min 08 s
